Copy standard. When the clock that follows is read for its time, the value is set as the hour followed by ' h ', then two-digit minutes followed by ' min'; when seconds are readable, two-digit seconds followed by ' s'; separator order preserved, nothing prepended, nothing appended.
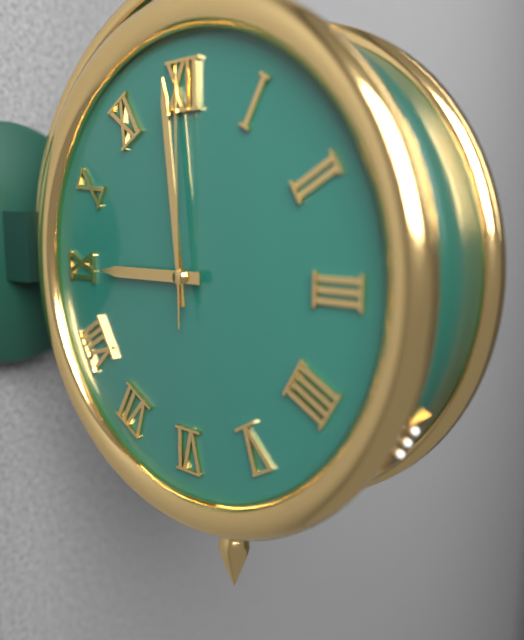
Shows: 8 h 59 min 00 s
